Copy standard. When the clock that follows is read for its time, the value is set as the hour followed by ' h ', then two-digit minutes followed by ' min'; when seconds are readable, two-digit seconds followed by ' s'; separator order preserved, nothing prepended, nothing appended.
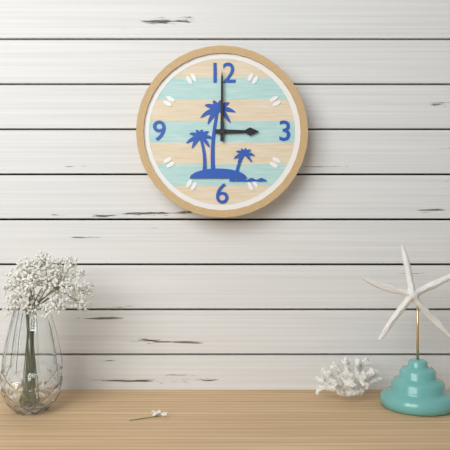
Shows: 3 h 00 min
